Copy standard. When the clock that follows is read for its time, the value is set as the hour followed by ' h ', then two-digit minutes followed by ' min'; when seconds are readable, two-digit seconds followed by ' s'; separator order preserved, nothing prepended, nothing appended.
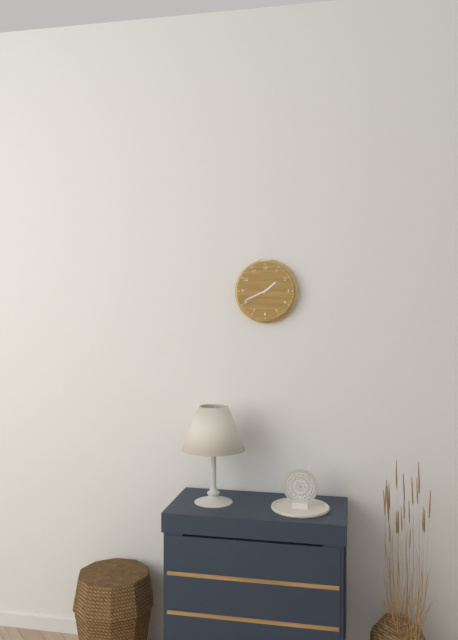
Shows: 1 h 41 min
